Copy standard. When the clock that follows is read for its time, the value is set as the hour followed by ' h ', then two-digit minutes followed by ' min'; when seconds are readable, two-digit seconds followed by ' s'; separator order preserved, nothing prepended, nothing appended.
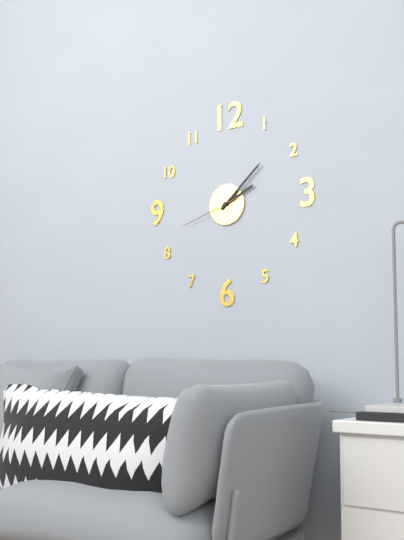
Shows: 2 h 08 min 42 s
